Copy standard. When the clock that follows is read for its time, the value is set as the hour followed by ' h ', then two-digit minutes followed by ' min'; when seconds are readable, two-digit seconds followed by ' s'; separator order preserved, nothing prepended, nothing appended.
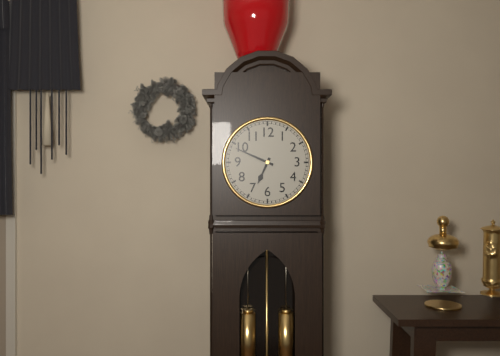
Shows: 6 h 49 min
